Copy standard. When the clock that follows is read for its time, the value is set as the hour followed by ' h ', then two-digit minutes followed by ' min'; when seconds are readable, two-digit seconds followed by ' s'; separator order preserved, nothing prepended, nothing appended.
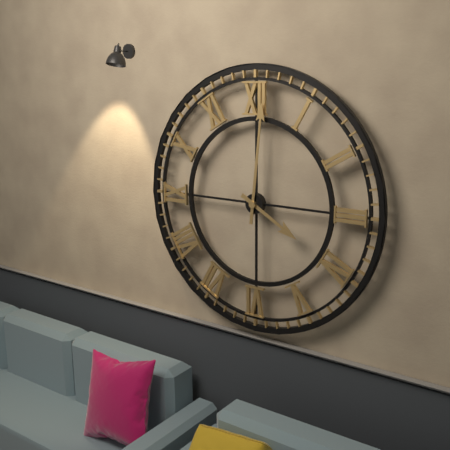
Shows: 4 h 01 min
